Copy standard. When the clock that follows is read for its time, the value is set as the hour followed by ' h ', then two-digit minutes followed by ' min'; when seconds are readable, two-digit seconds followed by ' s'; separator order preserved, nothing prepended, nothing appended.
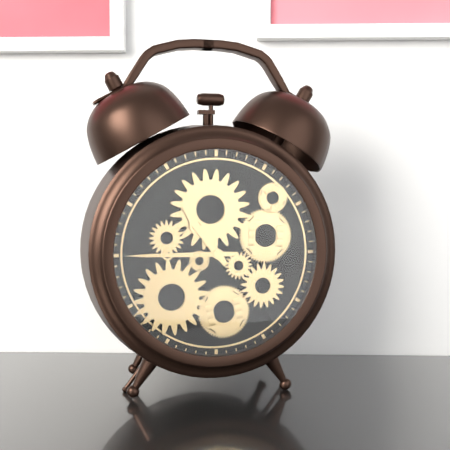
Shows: 10 h 45 min
